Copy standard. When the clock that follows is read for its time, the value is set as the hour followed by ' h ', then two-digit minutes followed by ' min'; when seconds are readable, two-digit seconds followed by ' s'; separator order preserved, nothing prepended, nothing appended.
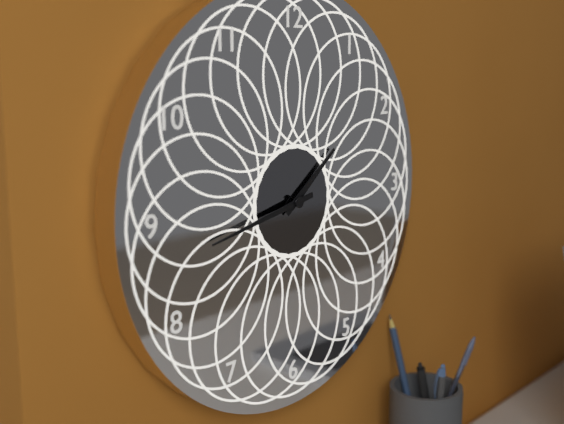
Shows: 1 h 43 min
